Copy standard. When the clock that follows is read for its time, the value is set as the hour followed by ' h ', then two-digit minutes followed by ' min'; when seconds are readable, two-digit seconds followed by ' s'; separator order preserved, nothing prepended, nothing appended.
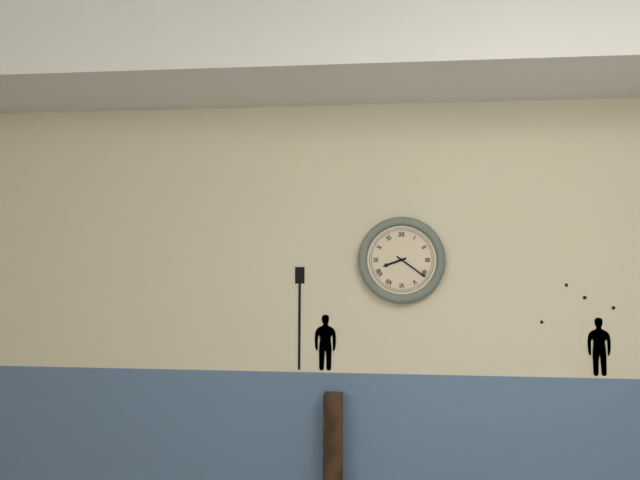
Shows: 8 h 21 min
